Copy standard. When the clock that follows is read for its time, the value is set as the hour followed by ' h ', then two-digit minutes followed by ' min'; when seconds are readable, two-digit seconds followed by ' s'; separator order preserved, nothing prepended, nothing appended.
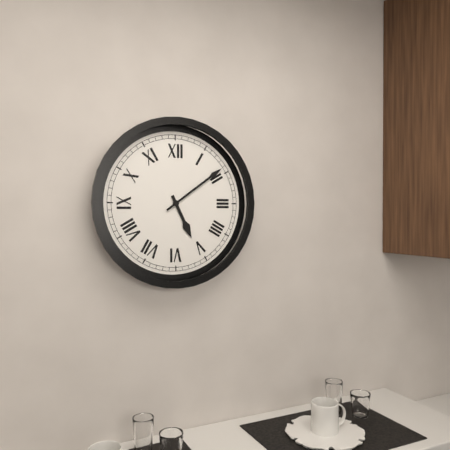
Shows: 5 h 09 min
